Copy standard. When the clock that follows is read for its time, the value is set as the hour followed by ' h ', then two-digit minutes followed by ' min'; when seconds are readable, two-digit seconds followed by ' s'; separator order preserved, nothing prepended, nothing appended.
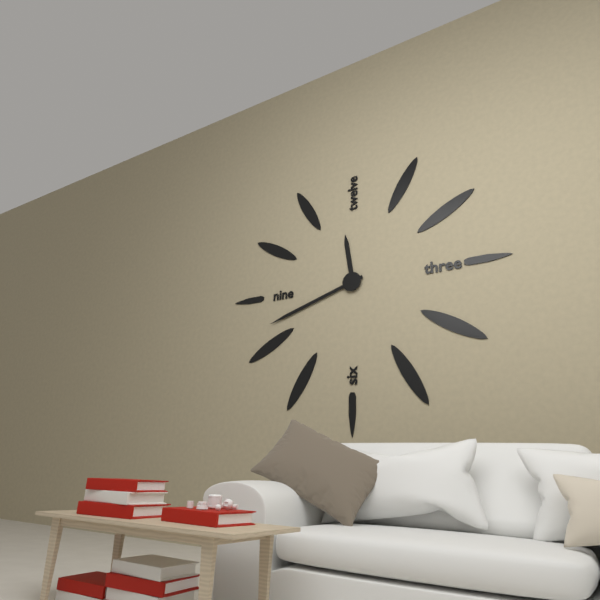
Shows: 11 h 42 min
